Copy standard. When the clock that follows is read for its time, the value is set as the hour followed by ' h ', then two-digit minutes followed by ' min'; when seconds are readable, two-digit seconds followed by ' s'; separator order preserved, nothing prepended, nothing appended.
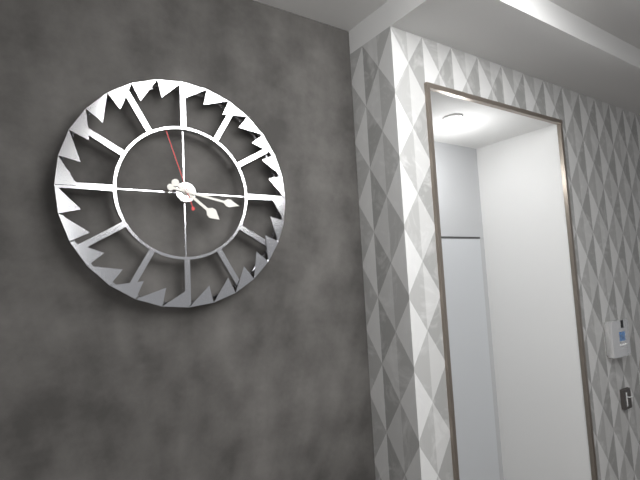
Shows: 4 h 17 min 57 s
